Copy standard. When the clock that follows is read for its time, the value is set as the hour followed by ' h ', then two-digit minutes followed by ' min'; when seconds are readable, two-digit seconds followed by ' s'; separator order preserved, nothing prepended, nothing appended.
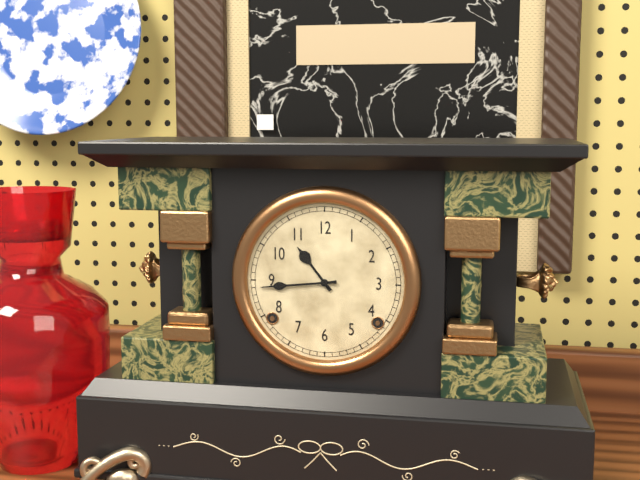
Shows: 10 h 44 min
